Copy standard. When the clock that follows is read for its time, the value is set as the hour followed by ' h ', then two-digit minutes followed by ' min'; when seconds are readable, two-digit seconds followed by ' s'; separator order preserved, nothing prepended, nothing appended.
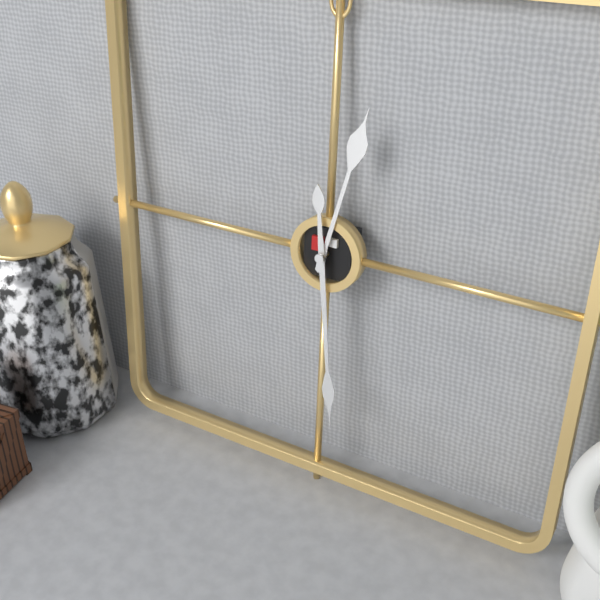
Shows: 12 h 29 min
